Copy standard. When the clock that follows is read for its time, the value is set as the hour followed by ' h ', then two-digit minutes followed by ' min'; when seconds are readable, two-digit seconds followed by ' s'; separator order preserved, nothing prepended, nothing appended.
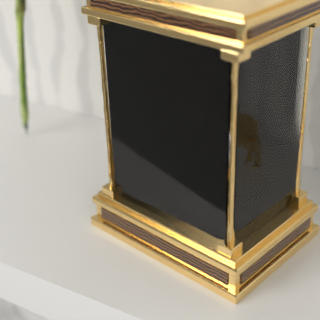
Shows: 3 h 52 min
